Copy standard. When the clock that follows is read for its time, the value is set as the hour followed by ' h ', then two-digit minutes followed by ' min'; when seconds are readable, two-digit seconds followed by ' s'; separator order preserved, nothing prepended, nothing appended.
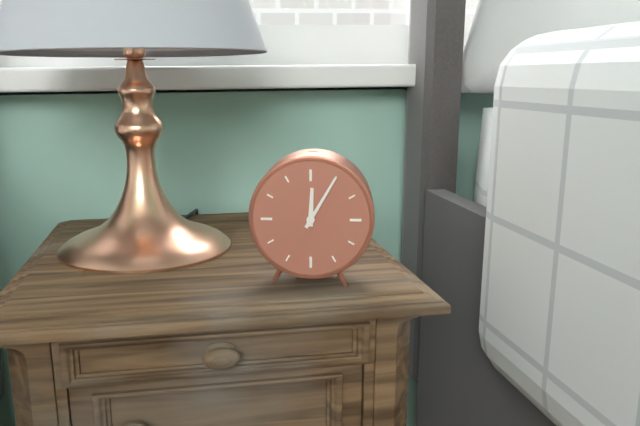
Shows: 12 h 05 min
